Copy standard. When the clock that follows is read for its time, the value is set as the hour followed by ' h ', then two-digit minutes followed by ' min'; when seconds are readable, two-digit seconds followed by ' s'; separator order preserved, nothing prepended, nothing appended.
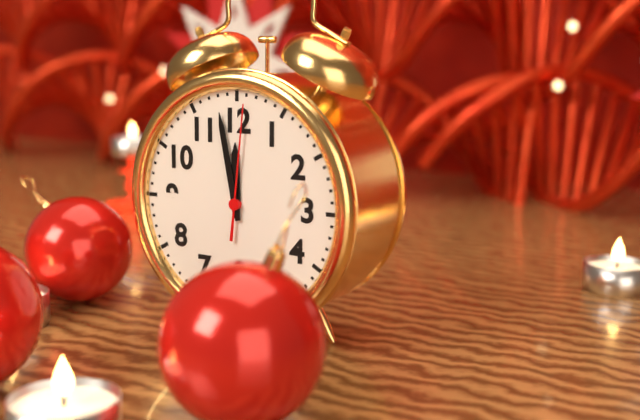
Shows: 11 h 58 min 01 s
